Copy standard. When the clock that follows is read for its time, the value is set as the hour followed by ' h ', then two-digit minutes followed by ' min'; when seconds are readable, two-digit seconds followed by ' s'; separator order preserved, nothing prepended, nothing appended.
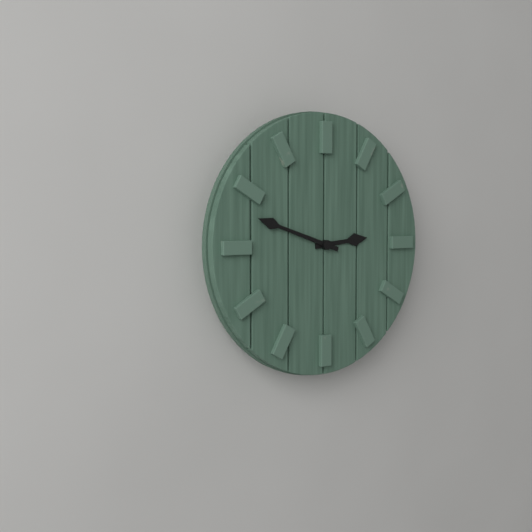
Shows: 2 h 48 min
